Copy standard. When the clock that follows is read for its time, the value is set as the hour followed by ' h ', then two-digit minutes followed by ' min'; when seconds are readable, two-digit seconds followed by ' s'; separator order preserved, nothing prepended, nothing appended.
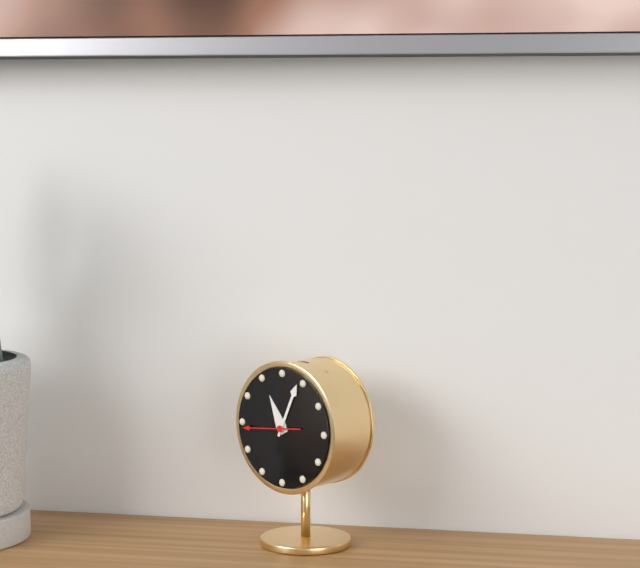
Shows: 11 h 04 min
